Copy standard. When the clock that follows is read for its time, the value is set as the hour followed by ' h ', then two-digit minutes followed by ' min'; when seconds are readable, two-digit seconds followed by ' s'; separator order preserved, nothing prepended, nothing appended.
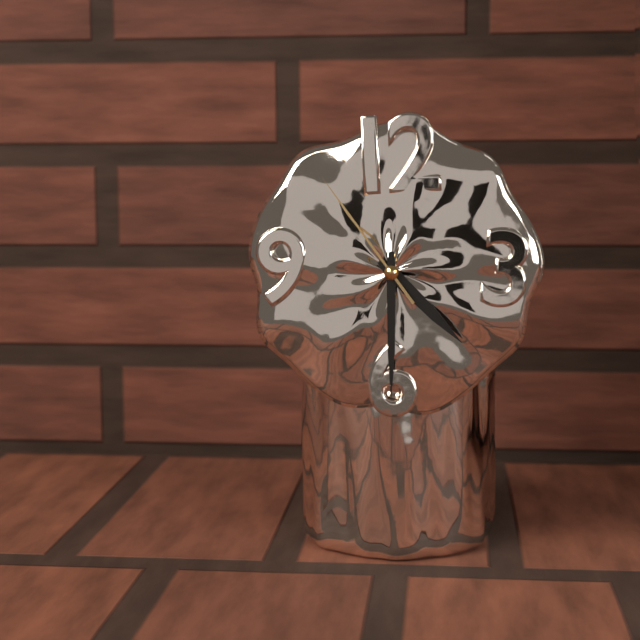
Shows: 4 h 30 min 54 s
